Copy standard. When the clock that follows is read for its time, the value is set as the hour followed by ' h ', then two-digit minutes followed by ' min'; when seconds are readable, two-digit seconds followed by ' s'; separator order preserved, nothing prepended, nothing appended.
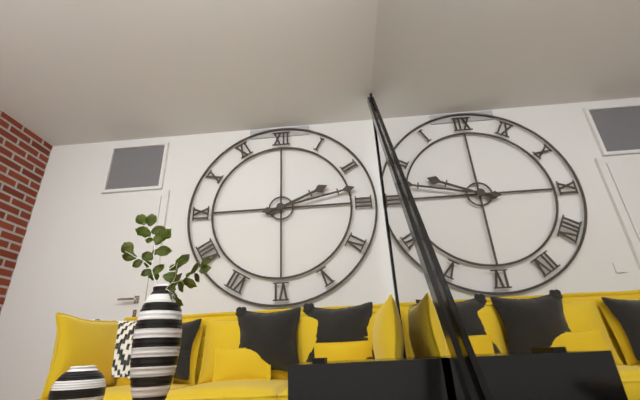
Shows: 2 h 13 min
